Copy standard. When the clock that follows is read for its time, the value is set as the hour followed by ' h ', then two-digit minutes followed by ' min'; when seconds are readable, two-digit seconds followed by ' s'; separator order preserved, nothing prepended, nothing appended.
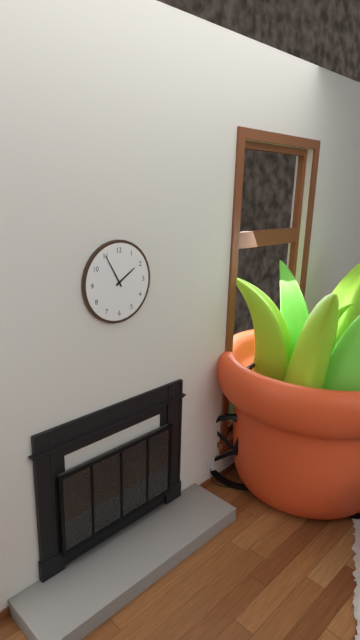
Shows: 1 h 55 min
